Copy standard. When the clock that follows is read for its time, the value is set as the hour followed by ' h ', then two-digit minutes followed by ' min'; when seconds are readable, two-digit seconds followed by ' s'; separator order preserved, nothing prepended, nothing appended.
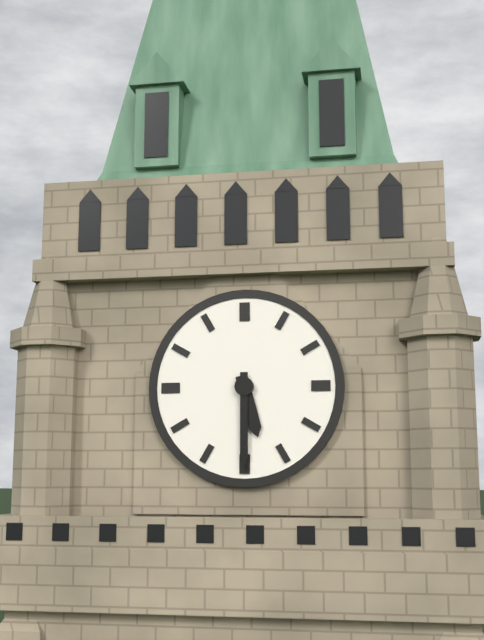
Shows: 5 h 30 min
